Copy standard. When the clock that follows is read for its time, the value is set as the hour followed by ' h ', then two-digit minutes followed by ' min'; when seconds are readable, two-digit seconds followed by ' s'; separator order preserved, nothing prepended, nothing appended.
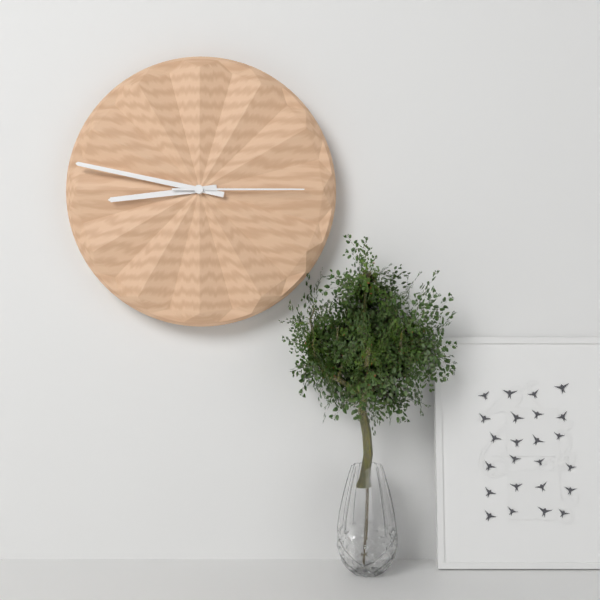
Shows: 8 h 47 min 15 s
